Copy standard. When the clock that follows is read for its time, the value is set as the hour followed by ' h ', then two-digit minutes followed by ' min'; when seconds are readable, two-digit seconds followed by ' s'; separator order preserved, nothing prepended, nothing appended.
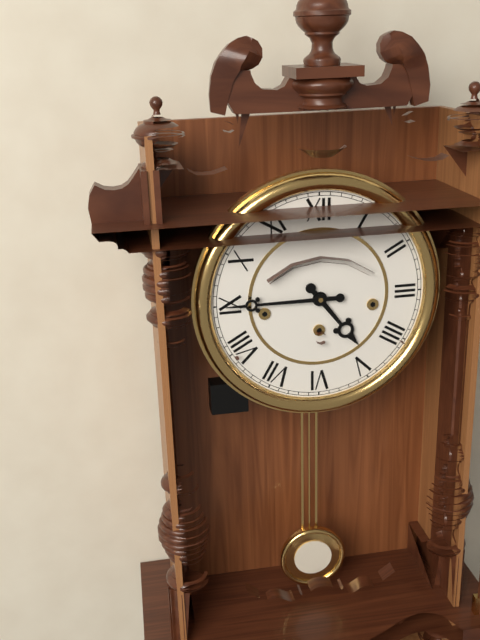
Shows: 4 h 45 min
